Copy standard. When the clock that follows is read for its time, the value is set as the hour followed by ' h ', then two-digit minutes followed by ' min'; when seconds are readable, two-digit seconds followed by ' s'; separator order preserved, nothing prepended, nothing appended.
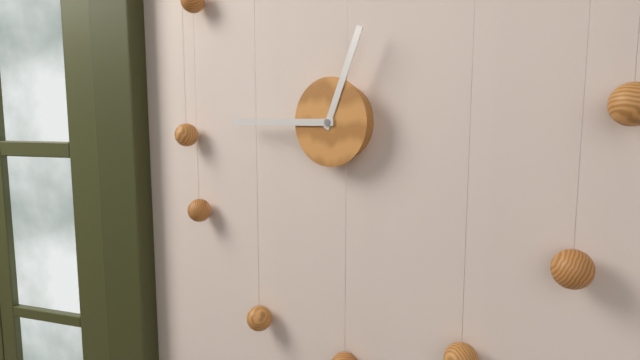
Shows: 12 h 45 min
